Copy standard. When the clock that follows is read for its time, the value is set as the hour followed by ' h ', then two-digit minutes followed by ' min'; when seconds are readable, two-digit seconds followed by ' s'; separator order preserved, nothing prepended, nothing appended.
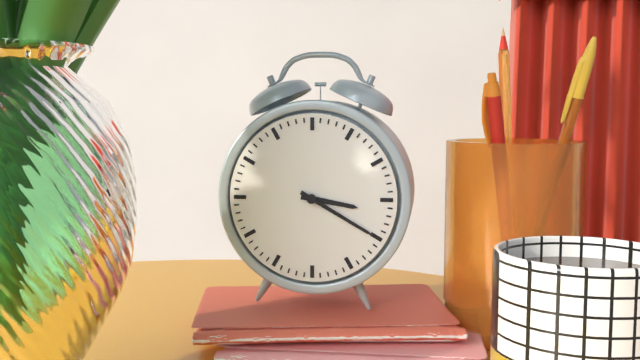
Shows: 3 h 20 min
